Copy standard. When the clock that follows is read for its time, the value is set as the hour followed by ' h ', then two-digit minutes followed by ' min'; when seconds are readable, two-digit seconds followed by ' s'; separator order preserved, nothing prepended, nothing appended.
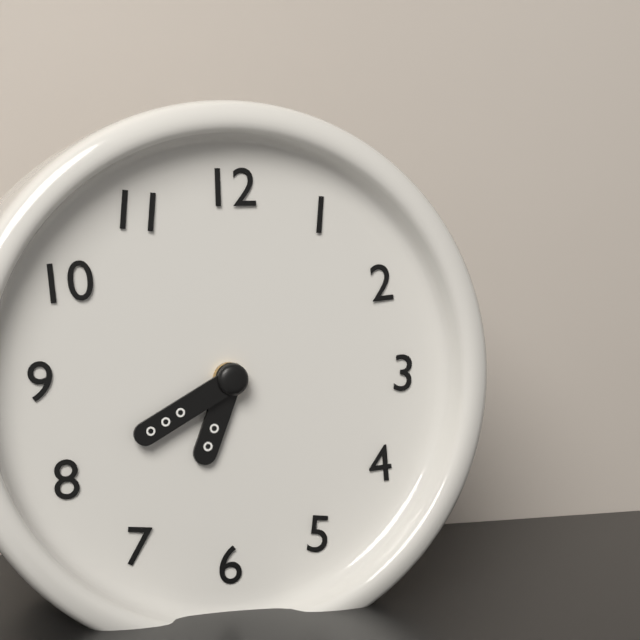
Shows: 6 h 40 min
